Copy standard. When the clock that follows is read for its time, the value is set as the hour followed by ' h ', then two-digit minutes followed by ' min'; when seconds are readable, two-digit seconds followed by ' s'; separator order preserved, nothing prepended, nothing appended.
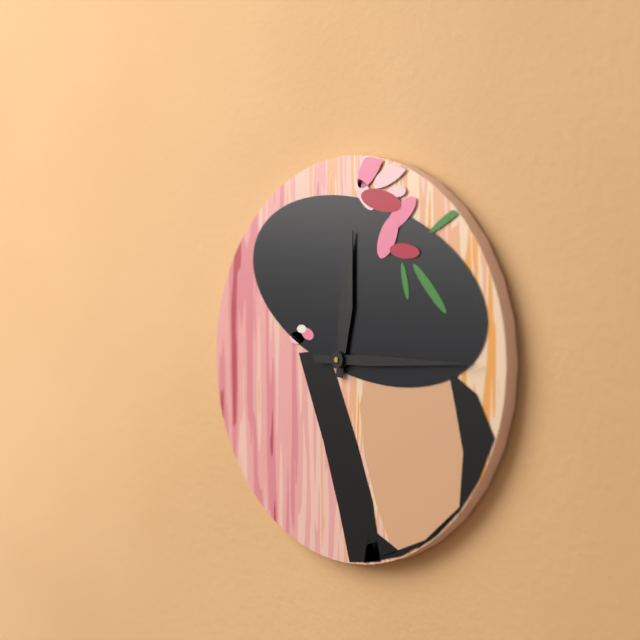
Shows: 12 h 15 min
